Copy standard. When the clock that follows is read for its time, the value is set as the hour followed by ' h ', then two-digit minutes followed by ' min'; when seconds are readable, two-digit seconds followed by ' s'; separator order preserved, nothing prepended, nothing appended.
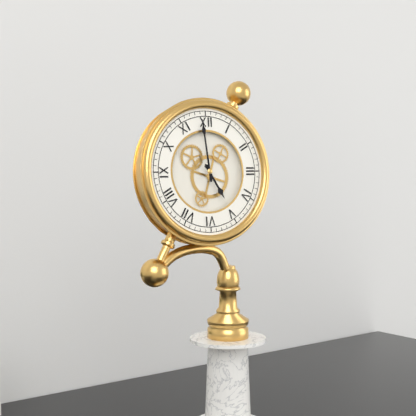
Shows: 4 h 59 min
